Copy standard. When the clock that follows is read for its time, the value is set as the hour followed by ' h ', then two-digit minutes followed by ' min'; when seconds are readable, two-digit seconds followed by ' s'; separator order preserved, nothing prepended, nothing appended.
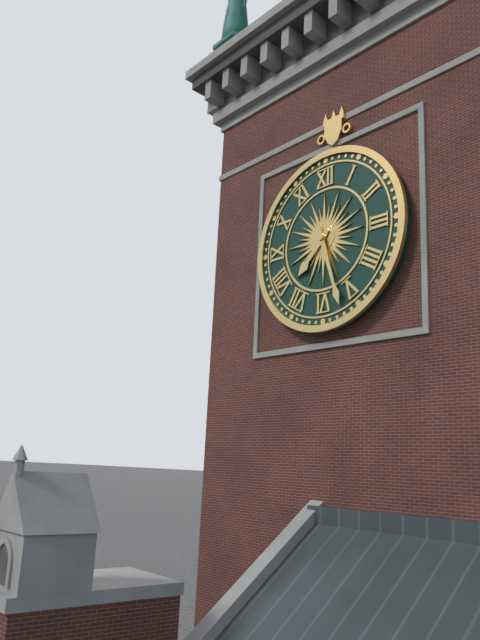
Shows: 7 h 27 min
